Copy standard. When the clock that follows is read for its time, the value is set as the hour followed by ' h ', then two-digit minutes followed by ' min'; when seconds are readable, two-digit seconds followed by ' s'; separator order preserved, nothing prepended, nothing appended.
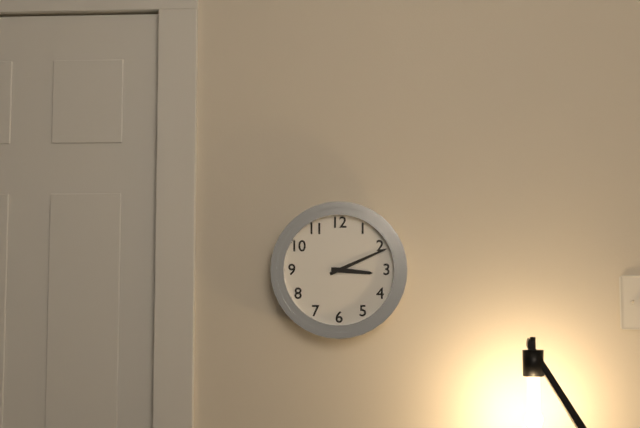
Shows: 3 h 11 min
